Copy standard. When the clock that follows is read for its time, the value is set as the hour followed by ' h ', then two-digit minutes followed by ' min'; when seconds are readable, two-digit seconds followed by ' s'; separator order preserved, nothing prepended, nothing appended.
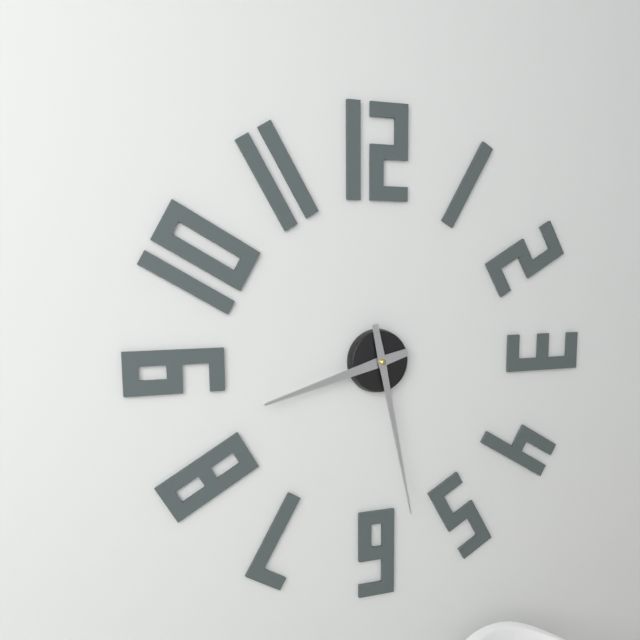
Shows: 8 h 28 min
